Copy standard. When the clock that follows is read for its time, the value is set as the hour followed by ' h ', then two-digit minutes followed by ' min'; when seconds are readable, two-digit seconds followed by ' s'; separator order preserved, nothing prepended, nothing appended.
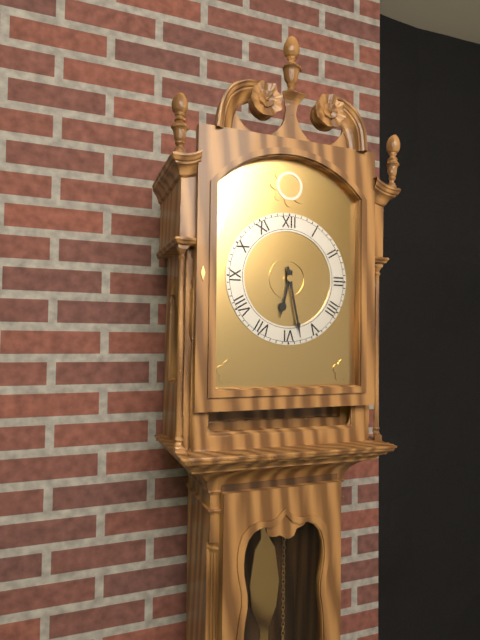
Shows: 6 h 28 min
